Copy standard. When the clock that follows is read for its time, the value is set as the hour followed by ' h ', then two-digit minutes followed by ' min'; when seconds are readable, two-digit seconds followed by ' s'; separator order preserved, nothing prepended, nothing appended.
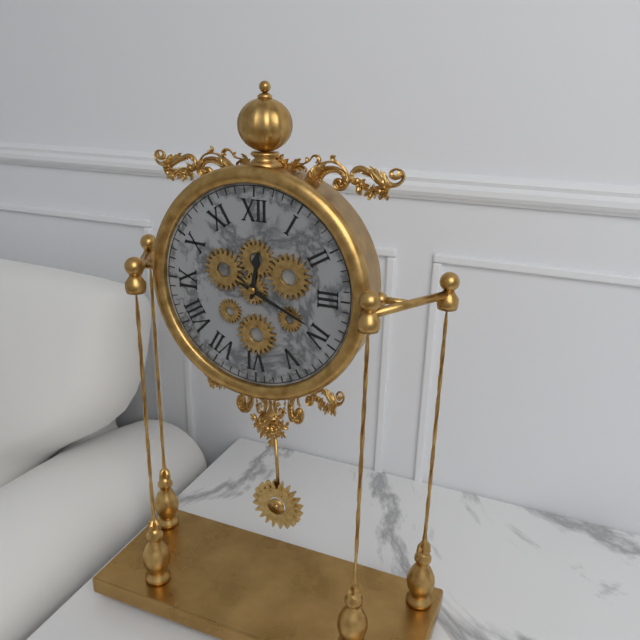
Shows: 12 h 19 min
